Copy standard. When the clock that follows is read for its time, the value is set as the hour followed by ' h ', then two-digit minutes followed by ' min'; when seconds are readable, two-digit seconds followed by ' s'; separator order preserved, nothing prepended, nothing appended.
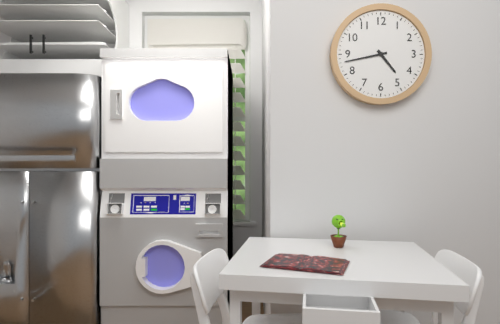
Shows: 4 h 43 min
